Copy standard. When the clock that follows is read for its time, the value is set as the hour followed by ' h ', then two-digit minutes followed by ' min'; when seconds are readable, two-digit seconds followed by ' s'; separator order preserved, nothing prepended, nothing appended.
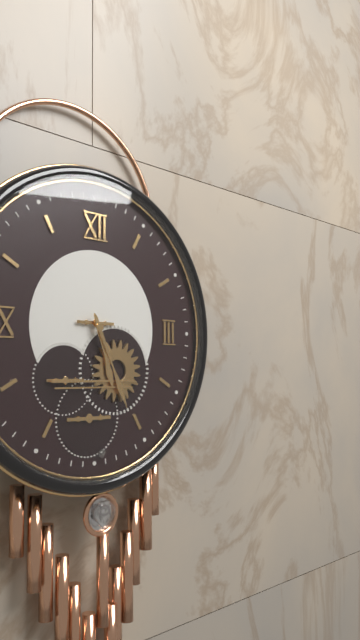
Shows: 5 h 26 min
